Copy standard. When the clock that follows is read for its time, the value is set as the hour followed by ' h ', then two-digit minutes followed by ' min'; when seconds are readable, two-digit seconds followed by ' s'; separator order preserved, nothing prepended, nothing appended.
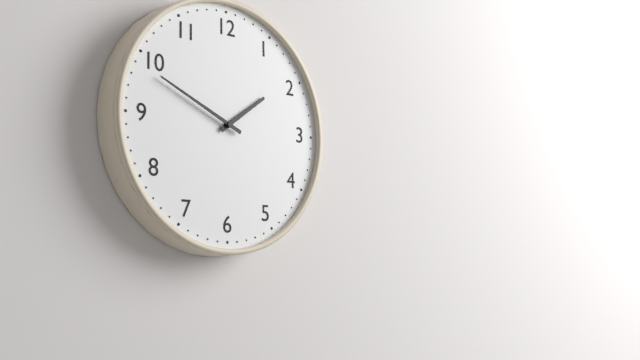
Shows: 1 h 49 min
